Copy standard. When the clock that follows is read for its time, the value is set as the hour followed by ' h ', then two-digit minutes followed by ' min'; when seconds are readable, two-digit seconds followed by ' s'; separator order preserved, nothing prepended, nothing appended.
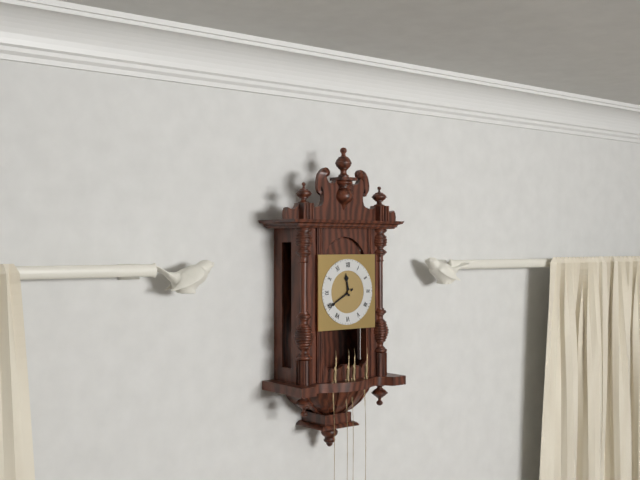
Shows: 11 h 40 min
